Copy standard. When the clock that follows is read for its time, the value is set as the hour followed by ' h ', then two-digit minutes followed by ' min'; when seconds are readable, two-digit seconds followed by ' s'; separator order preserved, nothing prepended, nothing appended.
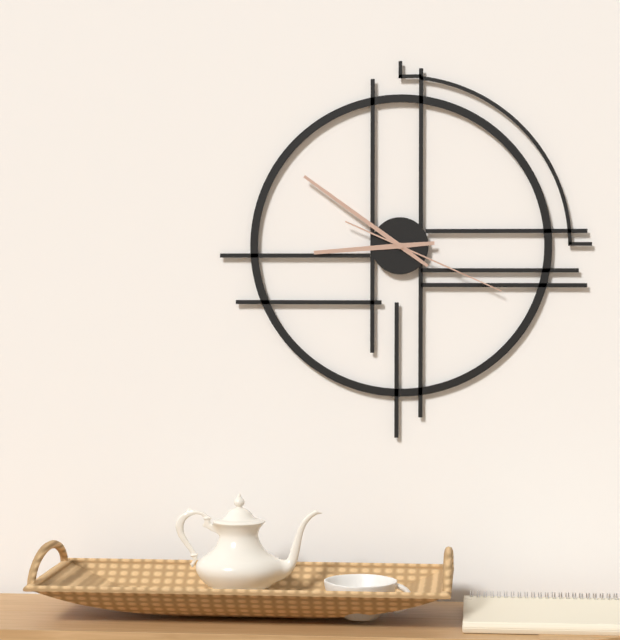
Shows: 8 h 51 min 19 s
